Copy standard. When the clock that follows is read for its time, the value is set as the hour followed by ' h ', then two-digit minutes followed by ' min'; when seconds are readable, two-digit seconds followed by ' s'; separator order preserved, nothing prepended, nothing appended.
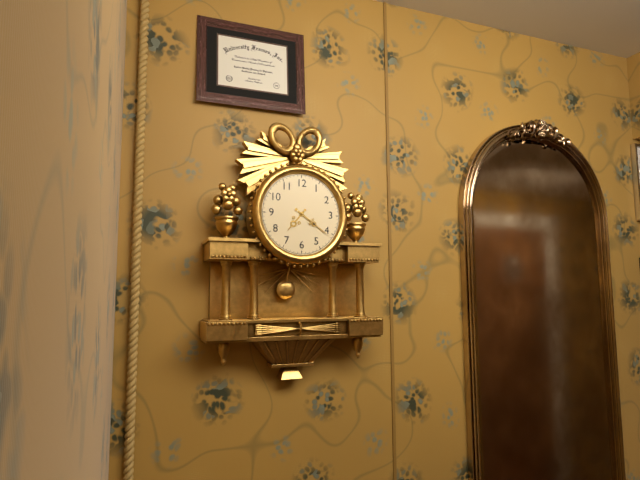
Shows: 7 h 21 min
